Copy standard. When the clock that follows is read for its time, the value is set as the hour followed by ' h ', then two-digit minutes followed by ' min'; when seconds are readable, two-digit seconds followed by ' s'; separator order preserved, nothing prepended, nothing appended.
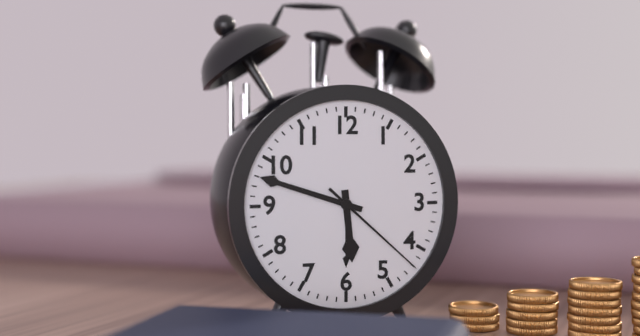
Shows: 5 h 48 min 22 s
